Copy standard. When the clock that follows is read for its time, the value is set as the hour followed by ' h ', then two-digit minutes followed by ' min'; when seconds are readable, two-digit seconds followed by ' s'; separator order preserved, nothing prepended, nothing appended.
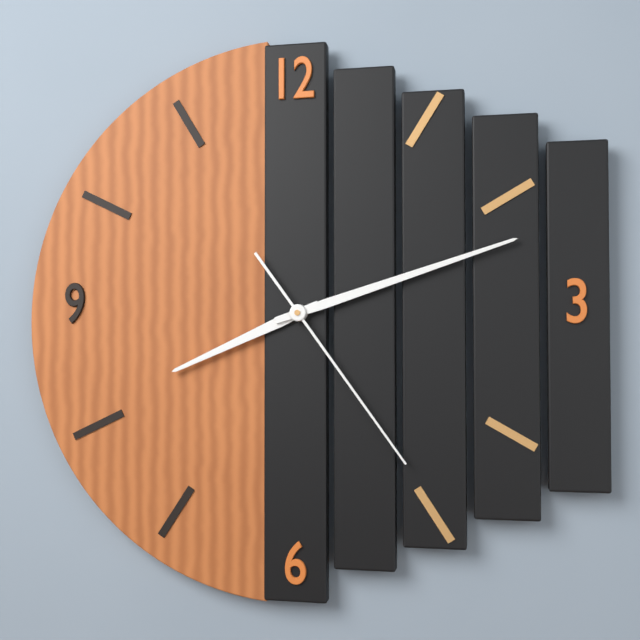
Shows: 8 h 12 min 24 s
